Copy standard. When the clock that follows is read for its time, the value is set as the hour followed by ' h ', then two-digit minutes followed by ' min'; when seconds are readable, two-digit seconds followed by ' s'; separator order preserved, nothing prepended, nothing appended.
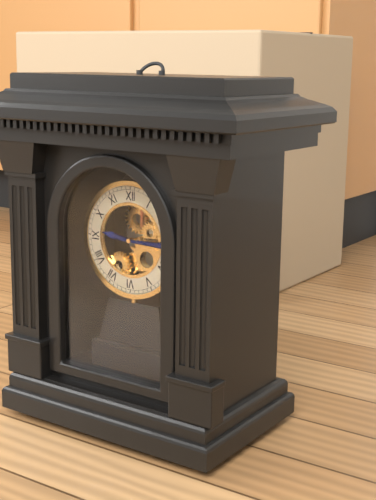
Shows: 9 h 15 min
